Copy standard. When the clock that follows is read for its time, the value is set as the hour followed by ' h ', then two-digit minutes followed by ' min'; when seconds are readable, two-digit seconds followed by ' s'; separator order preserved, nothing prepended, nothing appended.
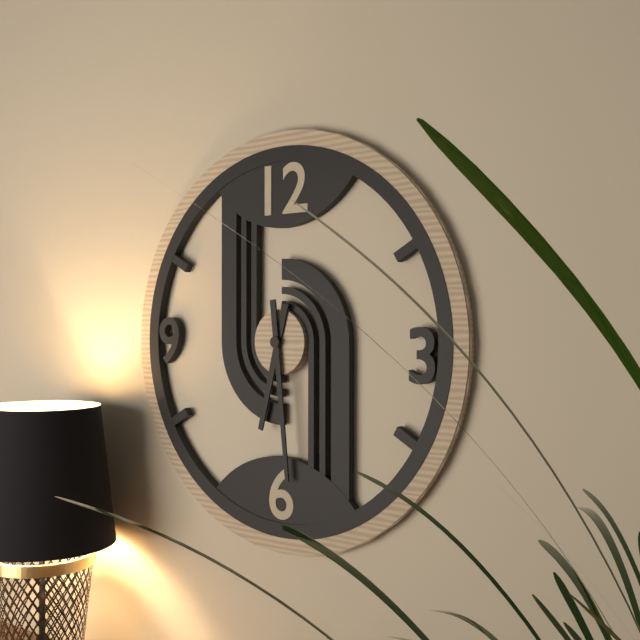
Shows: 6 h 29 min
